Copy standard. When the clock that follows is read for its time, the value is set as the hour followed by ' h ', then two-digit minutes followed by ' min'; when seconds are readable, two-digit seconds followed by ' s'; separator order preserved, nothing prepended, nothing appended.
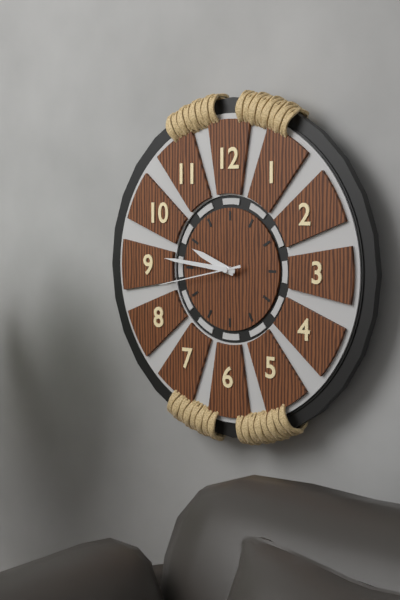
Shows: 9 h 46 min 43 s
